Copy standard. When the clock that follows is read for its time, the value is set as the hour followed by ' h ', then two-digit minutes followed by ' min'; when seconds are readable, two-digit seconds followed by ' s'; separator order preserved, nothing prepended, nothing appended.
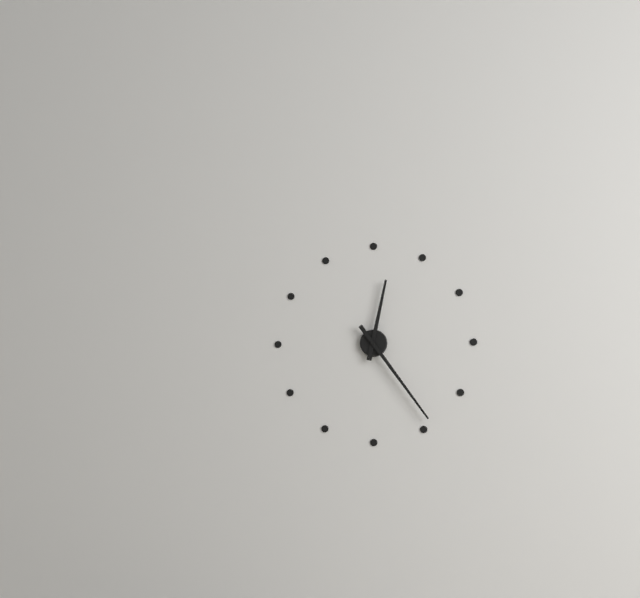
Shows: 12 h 24 min
